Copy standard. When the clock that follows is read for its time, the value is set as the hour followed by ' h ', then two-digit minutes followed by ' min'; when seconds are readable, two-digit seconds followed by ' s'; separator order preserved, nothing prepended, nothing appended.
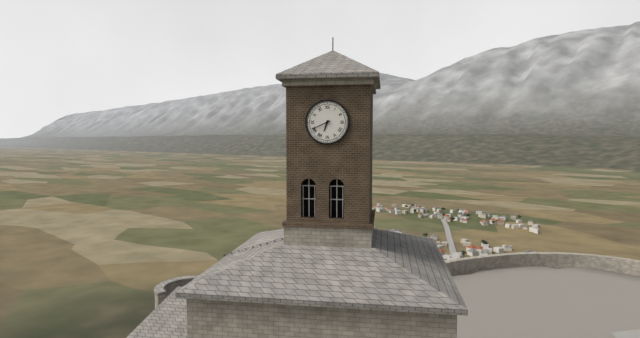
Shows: 6 h 41 min
